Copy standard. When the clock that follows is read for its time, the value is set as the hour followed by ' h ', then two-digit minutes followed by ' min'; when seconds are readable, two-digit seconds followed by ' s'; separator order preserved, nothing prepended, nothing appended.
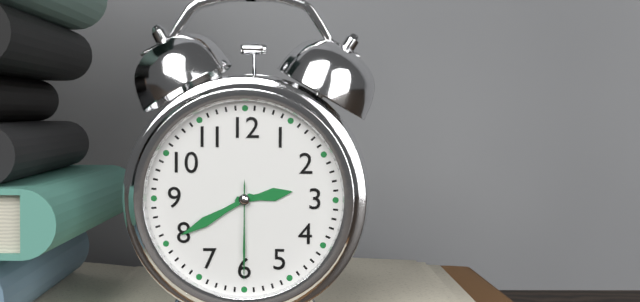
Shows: 2 h 40 min 30 s
